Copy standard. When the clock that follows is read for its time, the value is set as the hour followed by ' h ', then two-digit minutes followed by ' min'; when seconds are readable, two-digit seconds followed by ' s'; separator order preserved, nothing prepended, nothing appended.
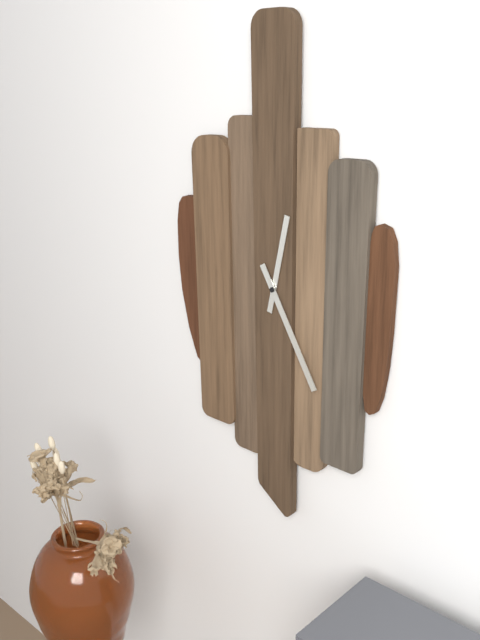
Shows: 12 h 25 min
